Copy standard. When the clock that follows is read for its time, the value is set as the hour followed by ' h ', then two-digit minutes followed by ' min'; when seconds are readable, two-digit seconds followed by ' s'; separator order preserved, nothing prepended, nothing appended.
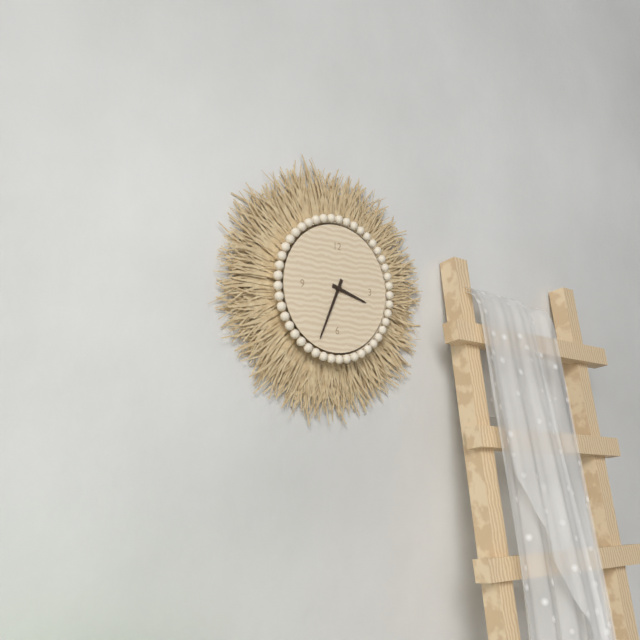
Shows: 3 h 34 min
